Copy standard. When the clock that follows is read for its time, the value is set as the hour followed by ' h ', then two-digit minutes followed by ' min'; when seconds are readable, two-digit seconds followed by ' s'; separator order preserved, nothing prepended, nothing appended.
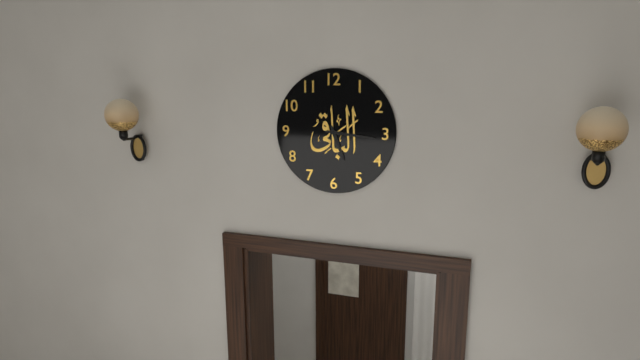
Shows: 5 h 16 min
